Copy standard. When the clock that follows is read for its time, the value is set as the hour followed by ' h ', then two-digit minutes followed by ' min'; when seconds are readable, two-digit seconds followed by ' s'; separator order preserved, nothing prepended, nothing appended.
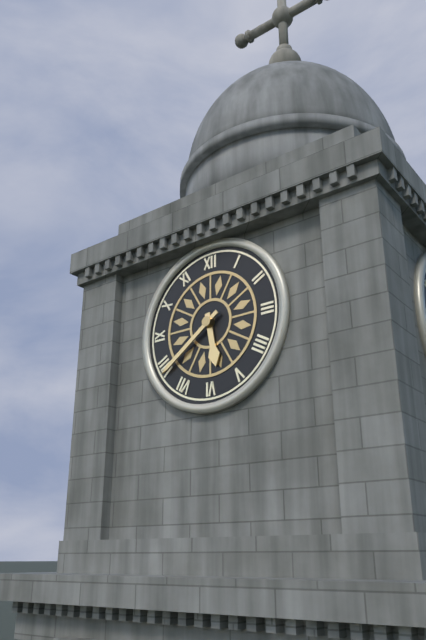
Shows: 5 h 39 min
